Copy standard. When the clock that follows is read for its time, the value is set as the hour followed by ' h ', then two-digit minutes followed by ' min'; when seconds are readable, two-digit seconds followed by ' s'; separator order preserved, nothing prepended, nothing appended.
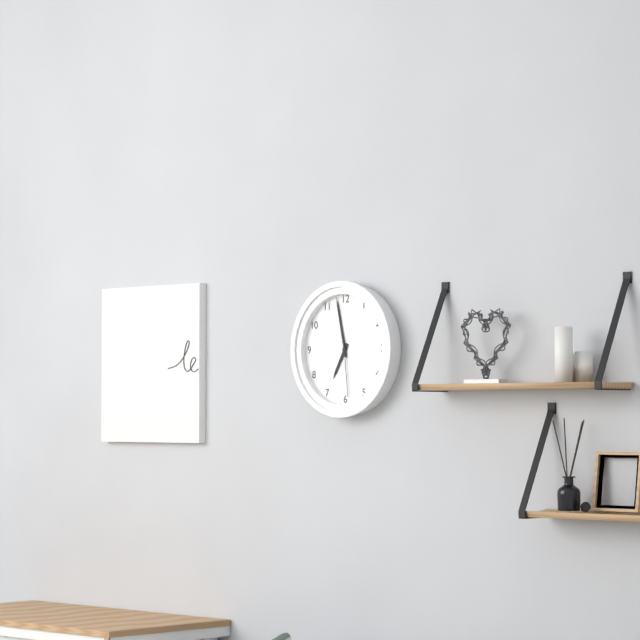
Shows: 6 h 58 min 29 s
